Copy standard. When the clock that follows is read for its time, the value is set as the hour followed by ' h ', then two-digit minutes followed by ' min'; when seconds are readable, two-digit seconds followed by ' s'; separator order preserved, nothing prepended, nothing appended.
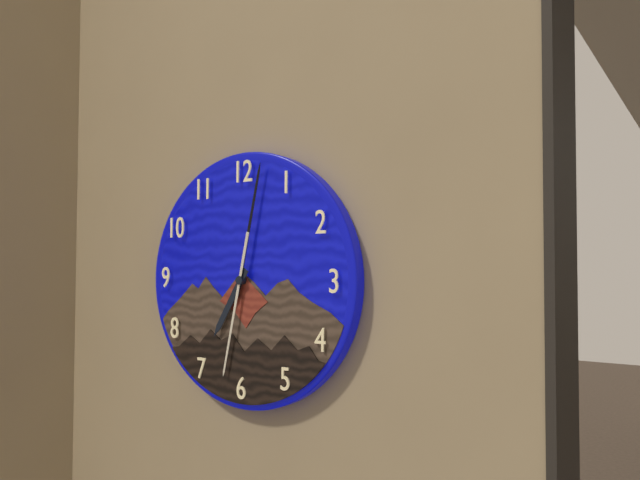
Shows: 7 h 02 min 32 s
